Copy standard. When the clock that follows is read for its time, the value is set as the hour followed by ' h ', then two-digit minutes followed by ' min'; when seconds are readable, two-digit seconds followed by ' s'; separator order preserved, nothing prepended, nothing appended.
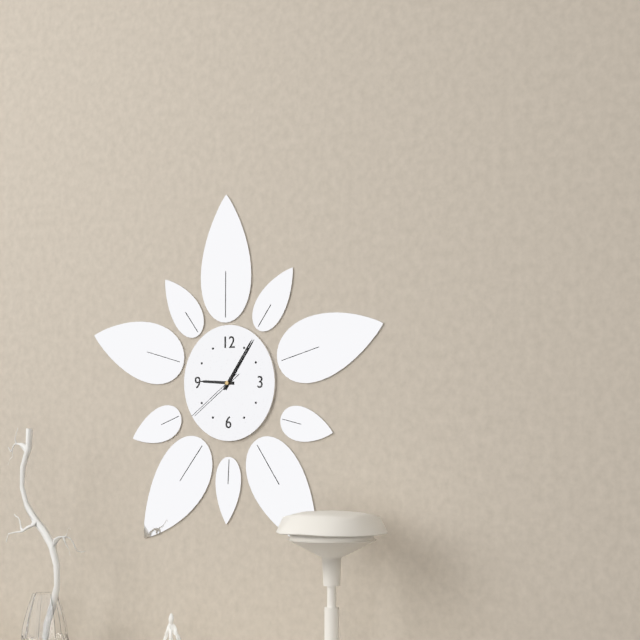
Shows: 9 h 06 min 39 s
